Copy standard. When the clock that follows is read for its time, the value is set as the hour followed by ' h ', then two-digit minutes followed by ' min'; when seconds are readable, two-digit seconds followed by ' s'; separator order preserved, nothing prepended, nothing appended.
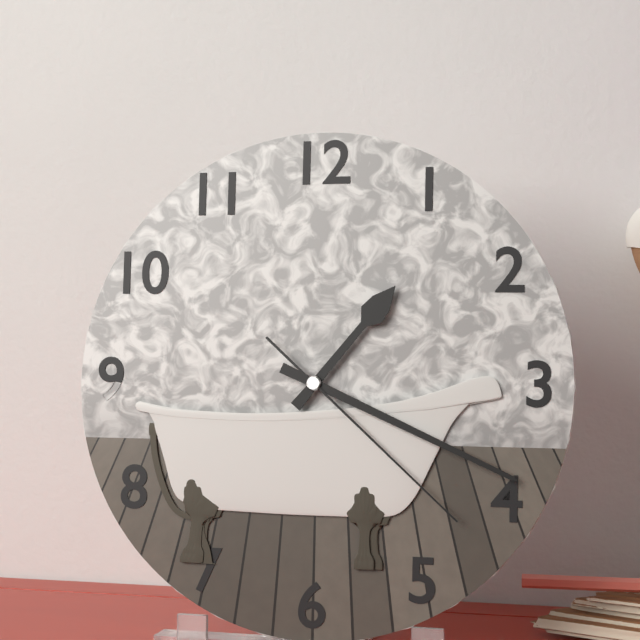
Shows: 1 h 19 min 22 s
